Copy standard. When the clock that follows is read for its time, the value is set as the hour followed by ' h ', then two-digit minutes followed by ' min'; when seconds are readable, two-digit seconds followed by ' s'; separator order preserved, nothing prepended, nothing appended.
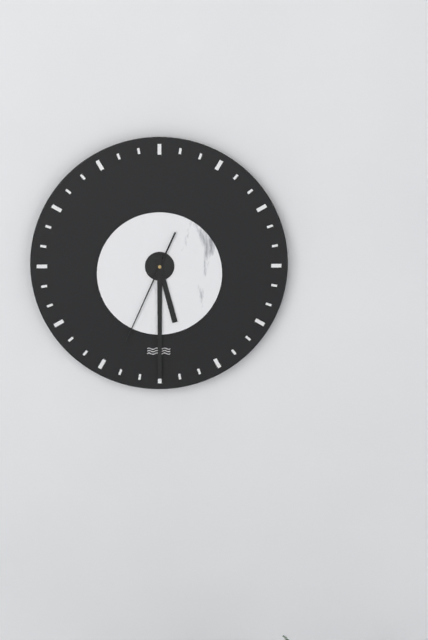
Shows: 5 h 30 min 34 s
